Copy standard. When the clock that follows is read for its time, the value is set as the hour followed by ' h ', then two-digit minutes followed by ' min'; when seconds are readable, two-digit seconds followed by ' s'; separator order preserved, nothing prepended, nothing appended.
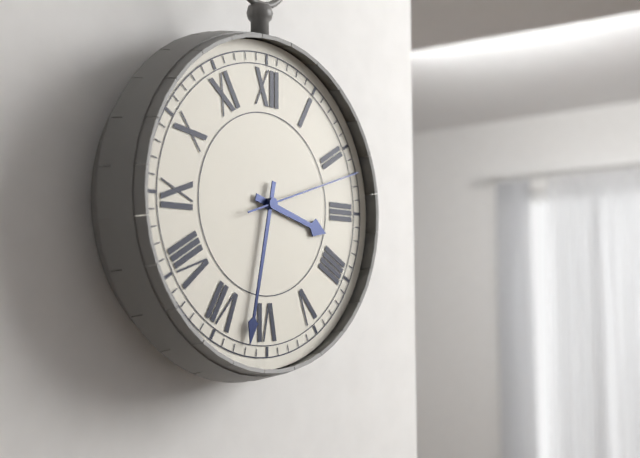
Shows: 3 h 32 min 12 s
